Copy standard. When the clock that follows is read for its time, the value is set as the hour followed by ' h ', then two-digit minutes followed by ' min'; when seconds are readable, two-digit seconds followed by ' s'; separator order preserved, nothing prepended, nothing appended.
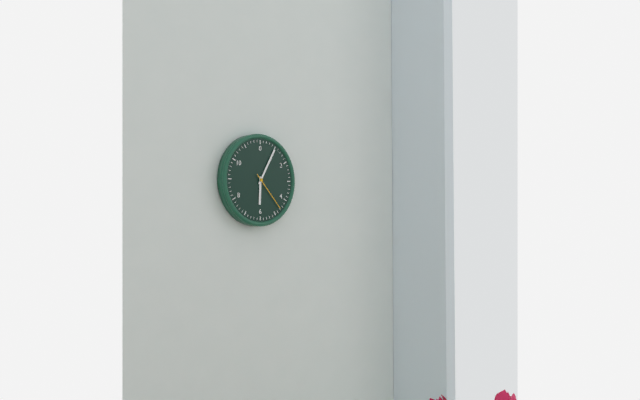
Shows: 6 h 05 min
